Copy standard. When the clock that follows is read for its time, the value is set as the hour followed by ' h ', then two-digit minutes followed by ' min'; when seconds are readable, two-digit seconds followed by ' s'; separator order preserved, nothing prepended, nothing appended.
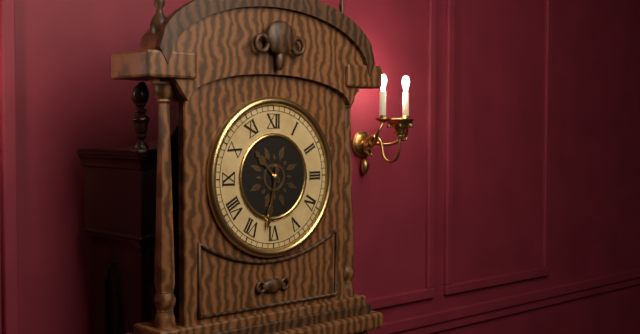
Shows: 10 h 32 min
